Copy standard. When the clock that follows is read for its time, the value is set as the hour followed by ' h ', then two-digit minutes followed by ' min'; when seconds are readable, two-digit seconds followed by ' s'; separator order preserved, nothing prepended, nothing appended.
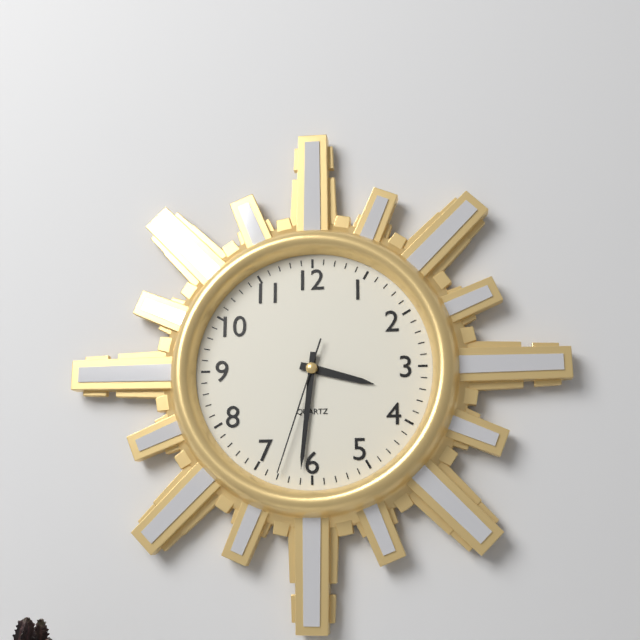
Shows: 3 h 31 min 33 s
